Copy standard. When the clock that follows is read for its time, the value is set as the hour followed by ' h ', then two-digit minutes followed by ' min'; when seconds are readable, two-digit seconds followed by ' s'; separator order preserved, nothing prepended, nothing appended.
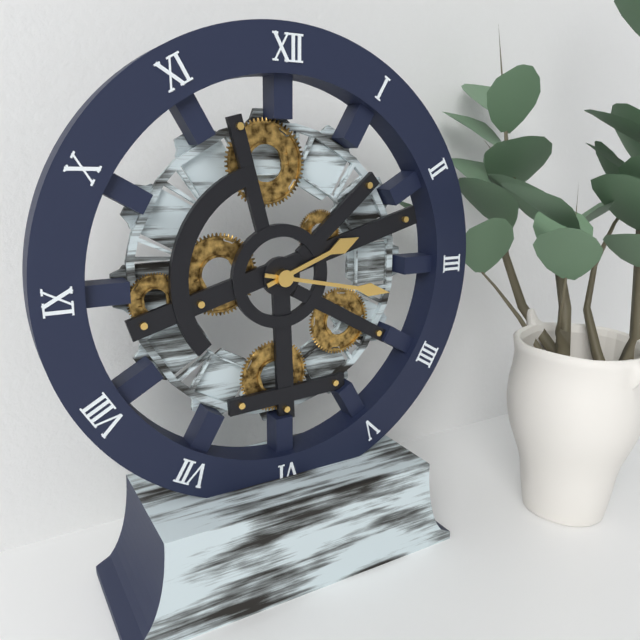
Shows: 2 h 17 min
